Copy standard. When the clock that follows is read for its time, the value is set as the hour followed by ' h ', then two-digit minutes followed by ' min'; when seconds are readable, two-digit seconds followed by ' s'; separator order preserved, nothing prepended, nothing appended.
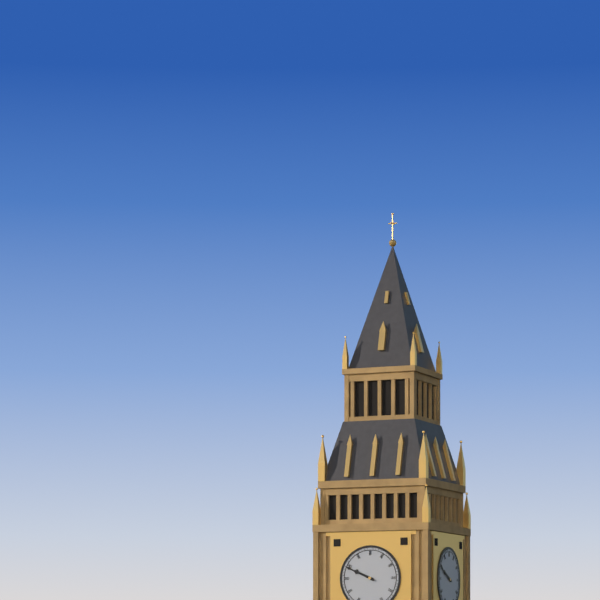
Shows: 9 h 49 min
